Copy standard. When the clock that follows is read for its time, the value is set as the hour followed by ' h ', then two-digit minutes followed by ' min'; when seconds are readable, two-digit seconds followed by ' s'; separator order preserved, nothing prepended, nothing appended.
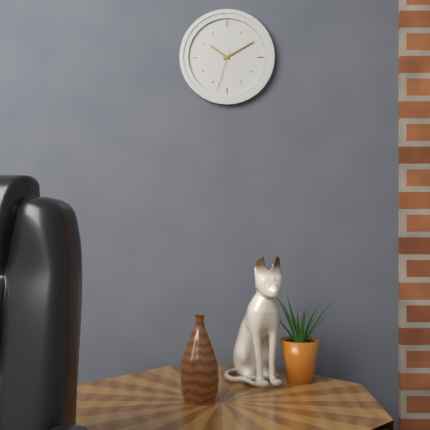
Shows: 10 h 10 min
